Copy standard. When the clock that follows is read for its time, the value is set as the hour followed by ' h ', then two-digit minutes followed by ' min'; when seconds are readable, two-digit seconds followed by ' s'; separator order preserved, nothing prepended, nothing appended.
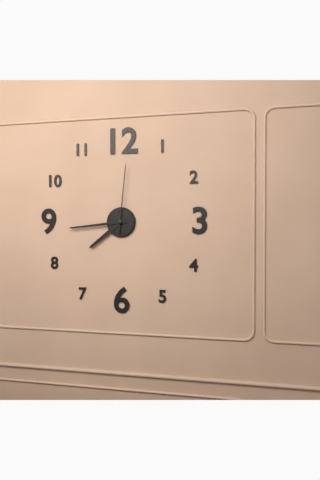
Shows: 7 h 44 min 01 s
